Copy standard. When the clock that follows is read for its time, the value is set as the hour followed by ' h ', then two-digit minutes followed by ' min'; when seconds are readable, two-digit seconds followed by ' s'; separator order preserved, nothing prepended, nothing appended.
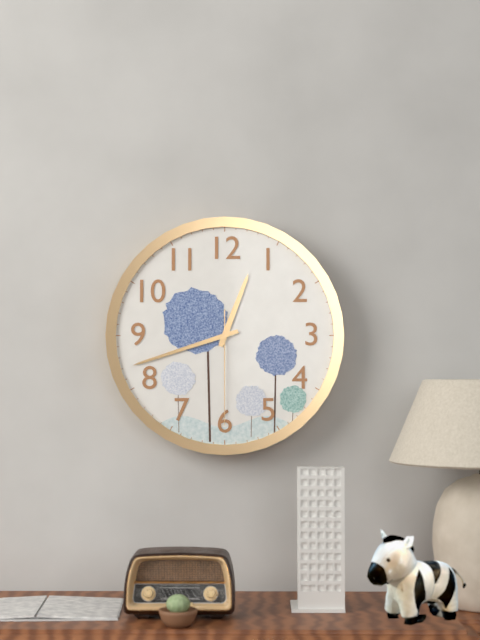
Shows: 12 h 42 min 30 s
